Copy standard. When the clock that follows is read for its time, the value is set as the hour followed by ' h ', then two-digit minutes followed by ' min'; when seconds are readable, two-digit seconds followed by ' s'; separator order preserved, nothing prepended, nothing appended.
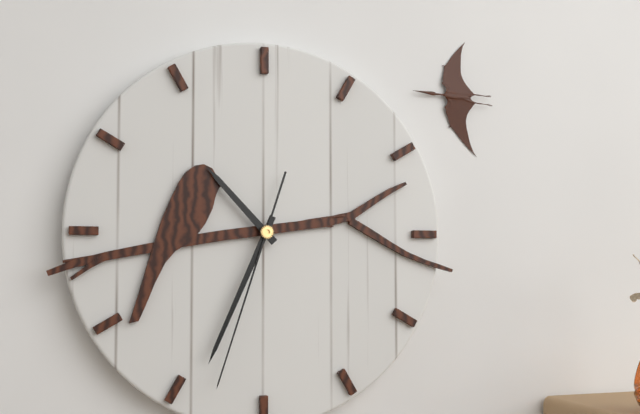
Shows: 10 h 34 min 33 s
